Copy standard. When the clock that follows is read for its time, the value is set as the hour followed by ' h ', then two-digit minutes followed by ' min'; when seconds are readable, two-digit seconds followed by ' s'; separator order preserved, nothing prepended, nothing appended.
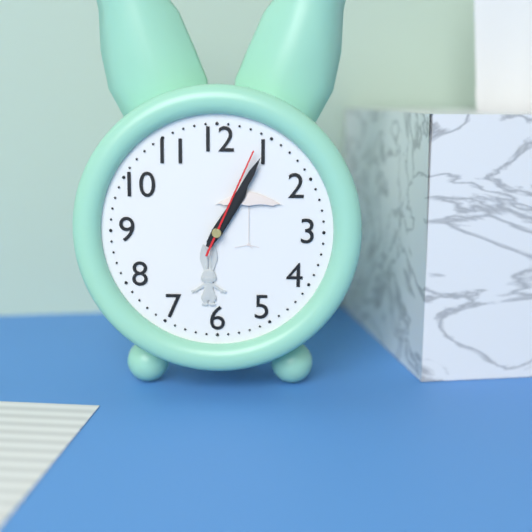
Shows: 1 h 05 min 04 s
